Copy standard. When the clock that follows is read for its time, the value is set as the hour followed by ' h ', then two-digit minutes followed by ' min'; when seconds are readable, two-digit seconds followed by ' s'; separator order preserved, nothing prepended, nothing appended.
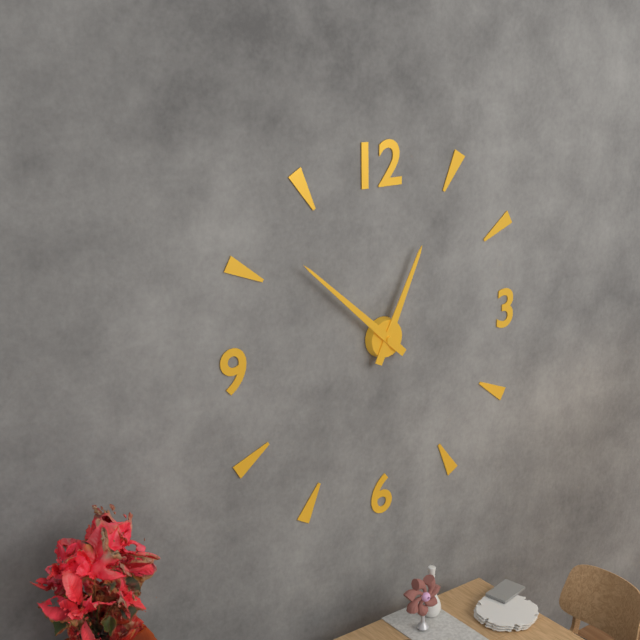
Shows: 12 h 52 min
